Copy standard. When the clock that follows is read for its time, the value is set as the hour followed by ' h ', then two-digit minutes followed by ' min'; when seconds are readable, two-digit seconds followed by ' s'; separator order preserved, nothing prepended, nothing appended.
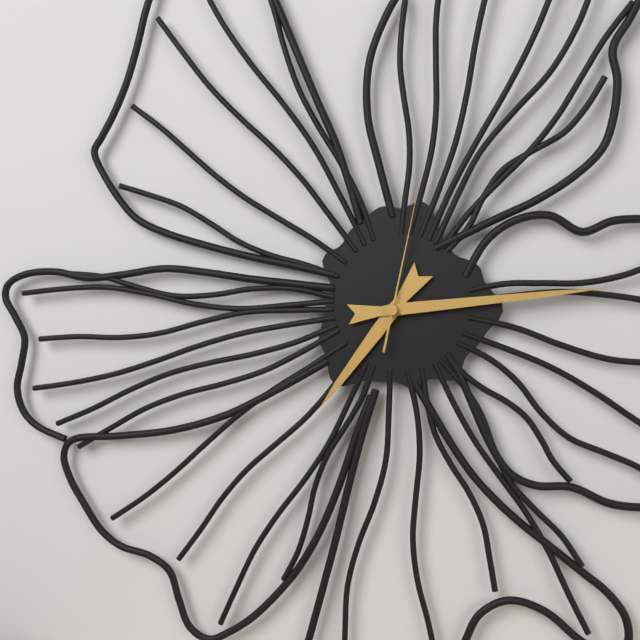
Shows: 7 h 14 min 02 s
